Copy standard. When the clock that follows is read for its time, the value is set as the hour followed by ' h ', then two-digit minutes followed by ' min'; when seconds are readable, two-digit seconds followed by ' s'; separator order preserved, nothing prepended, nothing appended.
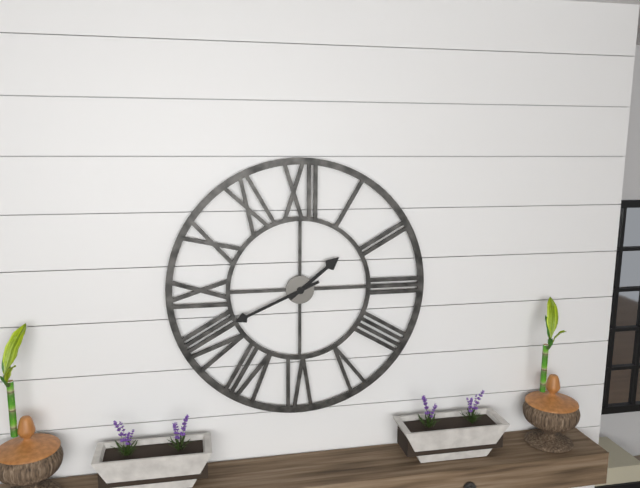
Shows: 1 h 41 min
